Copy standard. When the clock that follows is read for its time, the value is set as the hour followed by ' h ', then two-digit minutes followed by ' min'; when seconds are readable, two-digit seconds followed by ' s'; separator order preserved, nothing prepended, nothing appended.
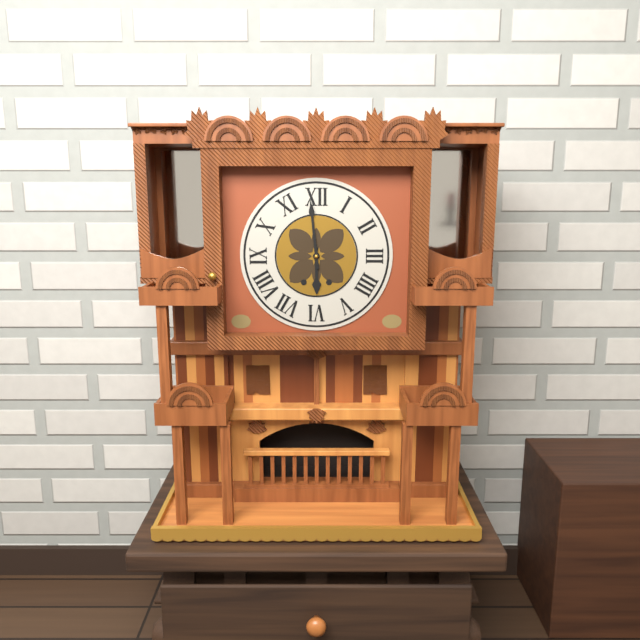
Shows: 5 h 59 min
